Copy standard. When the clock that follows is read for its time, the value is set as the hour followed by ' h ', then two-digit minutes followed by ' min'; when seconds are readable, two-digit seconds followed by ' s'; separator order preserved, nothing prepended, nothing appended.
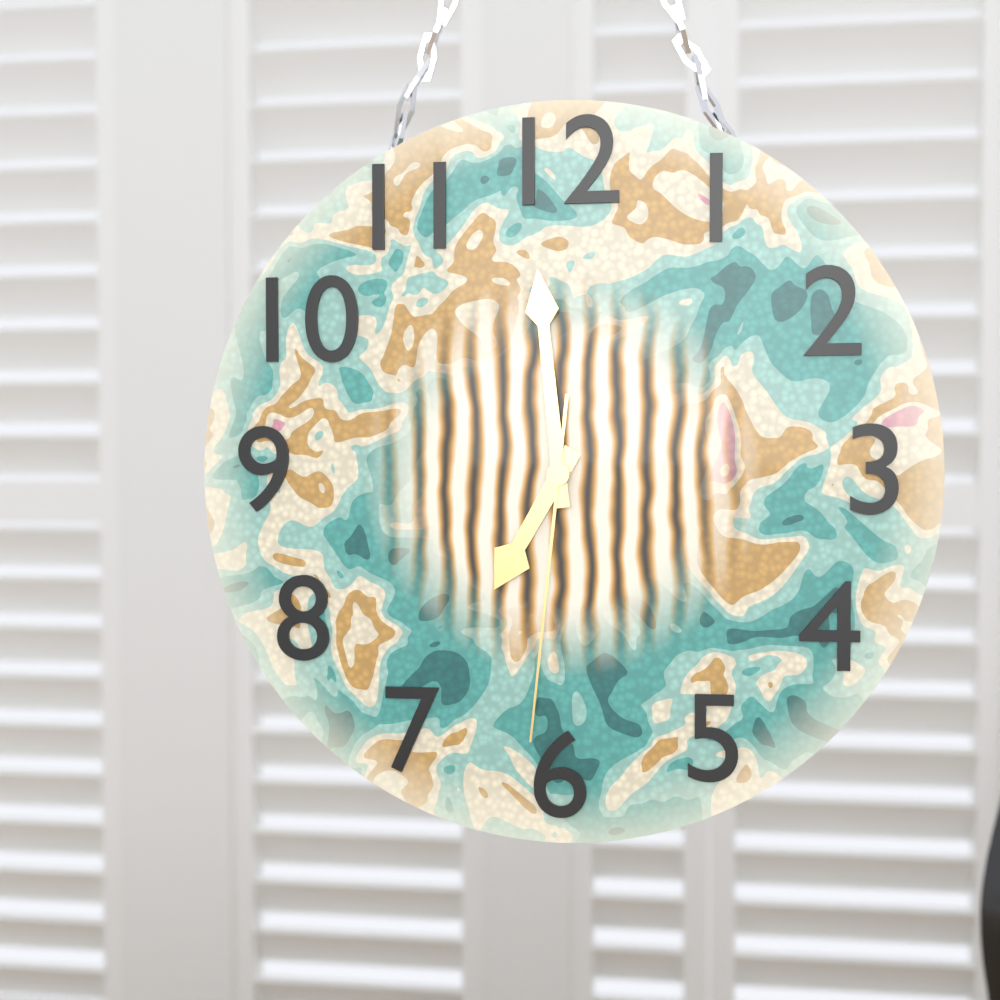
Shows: 6 h 59 min 31 s
